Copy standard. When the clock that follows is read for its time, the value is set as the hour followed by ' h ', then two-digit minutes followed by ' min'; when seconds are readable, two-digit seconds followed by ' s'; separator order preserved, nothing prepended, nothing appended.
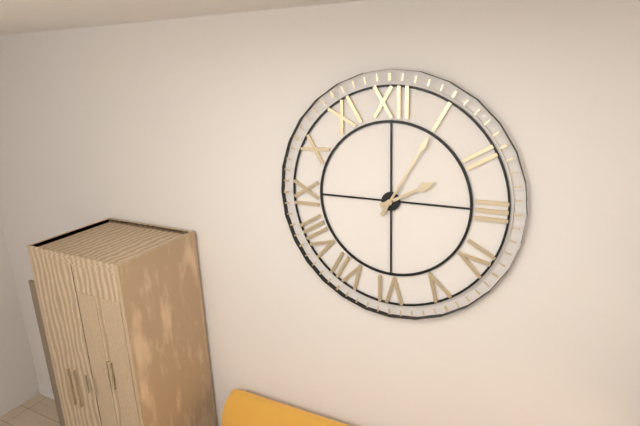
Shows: 2 h 05 min
